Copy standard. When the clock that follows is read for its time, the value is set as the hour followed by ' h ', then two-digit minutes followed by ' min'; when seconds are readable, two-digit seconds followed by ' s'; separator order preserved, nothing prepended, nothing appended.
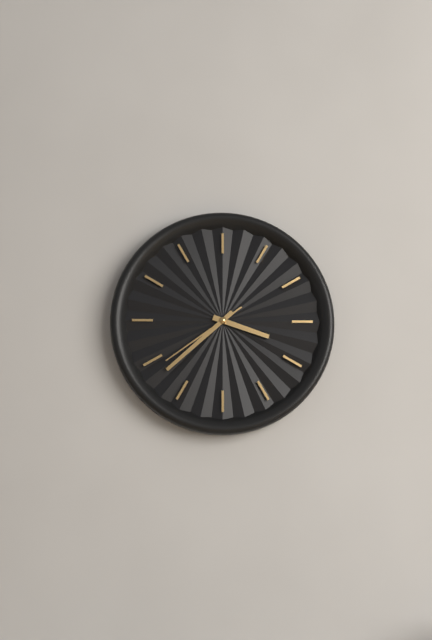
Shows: 3 h 38 min 39 s
